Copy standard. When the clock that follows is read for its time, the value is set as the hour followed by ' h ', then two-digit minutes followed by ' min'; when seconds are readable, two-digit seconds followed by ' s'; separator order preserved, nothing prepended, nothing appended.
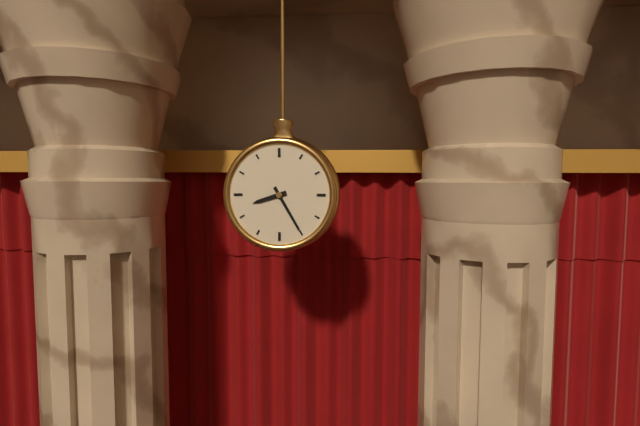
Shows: 8 h 25 min
